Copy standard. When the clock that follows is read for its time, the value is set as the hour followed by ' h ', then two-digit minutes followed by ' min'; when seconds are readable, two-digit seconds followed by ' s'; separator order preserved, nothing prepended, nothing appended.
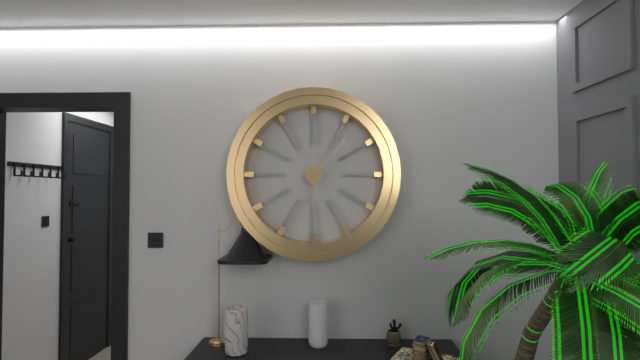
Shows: 6 h 07 min
